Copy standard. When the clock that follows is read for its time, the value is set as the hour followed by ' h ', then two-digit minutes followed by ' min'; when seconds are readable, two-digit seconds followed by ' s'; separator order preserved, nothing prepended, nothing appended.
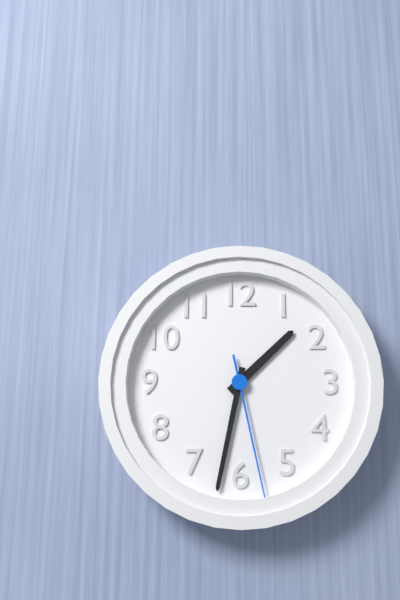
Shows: 1 h 32 min 28 s
